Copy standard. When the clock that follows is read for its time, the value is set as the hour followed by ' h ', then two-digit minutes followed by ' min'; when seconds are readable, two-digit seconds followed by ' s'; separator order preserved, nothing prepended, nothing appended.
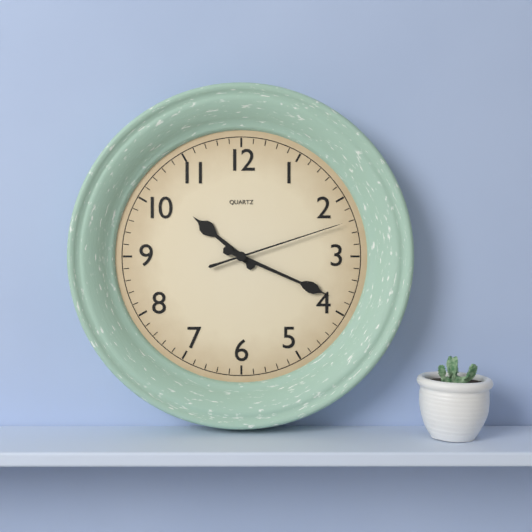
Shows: 10 h 19 min 12 s
